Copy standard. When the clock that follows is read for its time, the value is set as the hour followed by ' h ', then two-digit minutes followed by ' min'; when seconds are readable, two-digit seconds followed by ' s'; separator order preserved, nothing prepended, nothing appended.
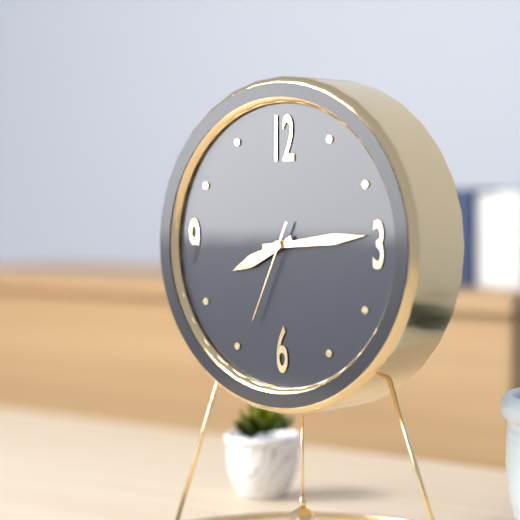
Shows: 8 h 14 min 34 s
